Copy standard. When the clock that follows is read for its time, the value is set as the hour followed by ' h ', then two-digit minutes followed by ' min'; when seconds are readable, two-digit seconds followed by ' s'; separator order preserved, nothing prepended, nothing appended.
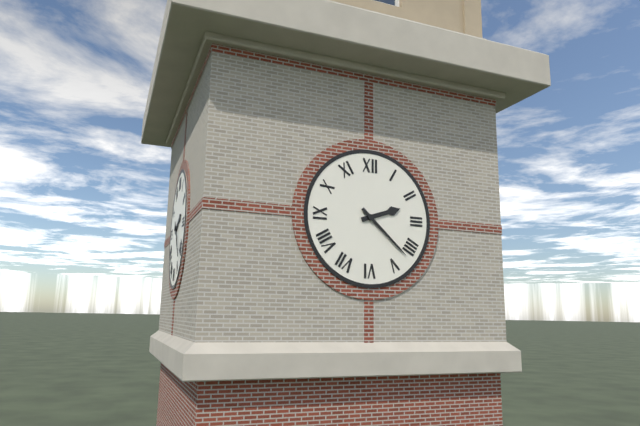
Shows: 2 h 22 min
